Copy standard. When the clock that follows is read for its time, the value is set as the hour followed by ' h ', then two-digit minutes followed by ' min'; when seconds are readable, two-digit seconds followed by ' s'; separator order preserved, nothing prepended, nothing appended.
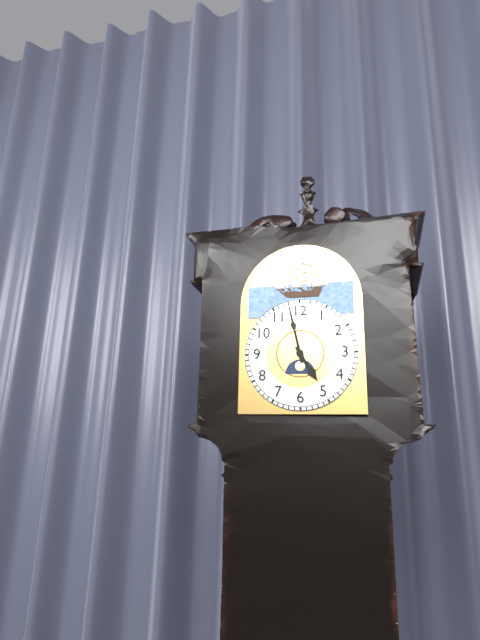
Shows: 4 h 58 min
